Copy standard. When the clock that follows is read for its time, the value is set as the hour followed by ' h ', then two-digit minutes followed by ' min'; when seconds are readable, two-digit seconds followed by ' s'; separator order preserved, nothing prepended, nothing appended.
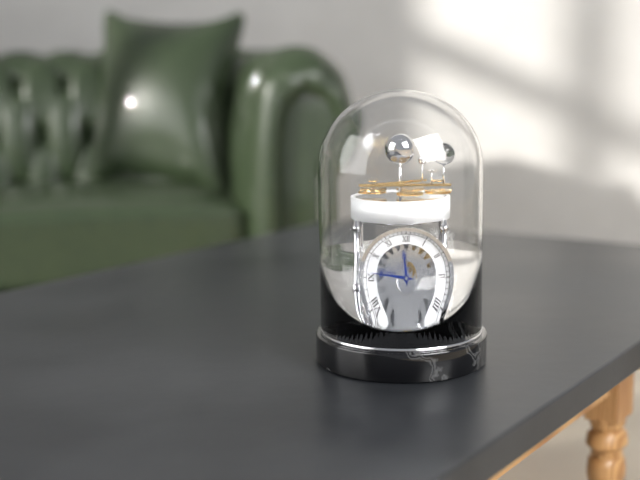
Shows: 11 h 46 min
